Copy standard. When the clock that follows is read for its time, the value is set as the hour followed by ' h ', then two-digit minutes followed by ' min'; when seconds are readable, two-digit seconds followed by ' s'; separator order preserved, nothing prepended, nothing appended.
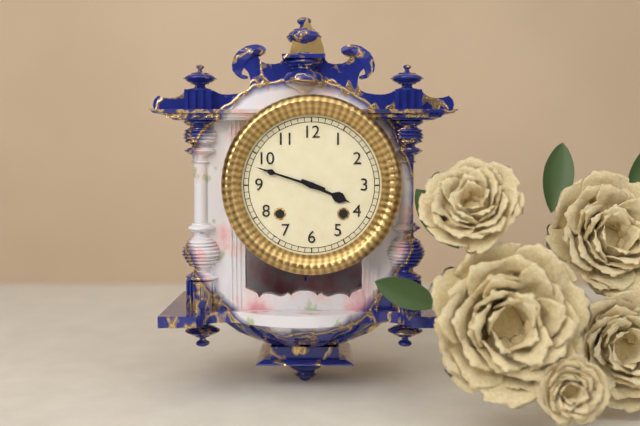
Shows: 3 h 48 min
